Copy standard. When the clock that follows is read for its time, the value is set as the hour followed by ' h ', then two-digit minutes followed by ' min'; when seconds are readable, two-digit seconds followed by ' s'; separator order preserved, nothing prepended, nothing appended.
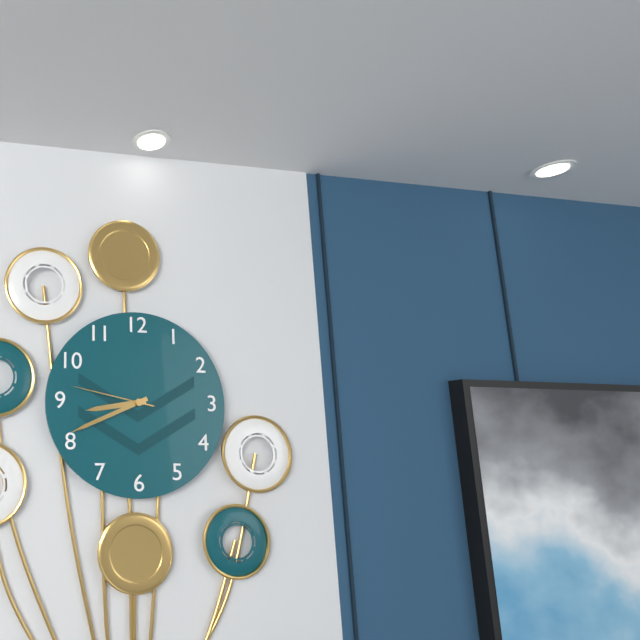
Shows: 8 h 41 min 47 s
